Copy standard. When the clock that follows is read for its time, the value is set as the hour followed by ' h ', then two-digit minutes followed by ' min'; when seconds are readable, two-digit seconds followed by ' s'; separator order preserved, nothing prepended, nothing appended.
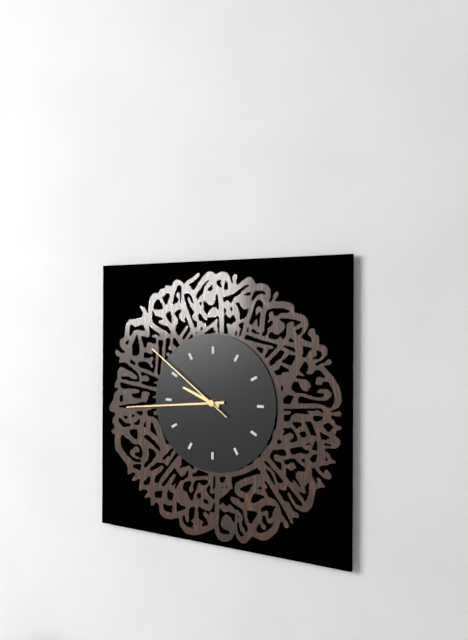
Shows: 9 h 44 min 51 s
